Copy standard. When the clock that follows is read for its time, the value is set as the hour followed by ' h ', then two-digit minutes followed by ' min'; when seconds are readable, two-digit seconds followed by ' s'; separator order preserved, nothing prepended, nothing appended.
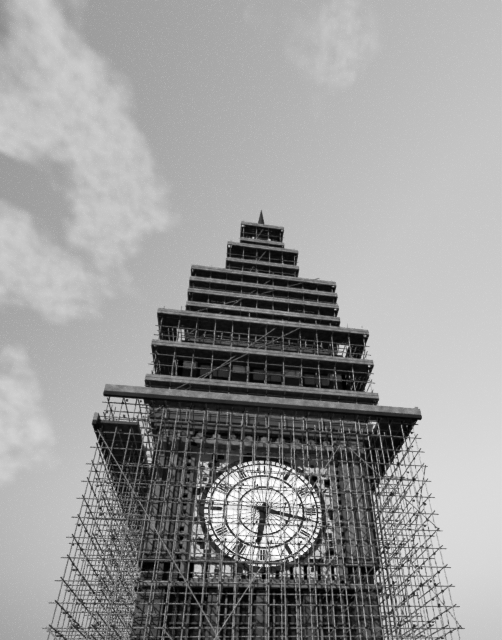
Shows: 6 h 17 min
